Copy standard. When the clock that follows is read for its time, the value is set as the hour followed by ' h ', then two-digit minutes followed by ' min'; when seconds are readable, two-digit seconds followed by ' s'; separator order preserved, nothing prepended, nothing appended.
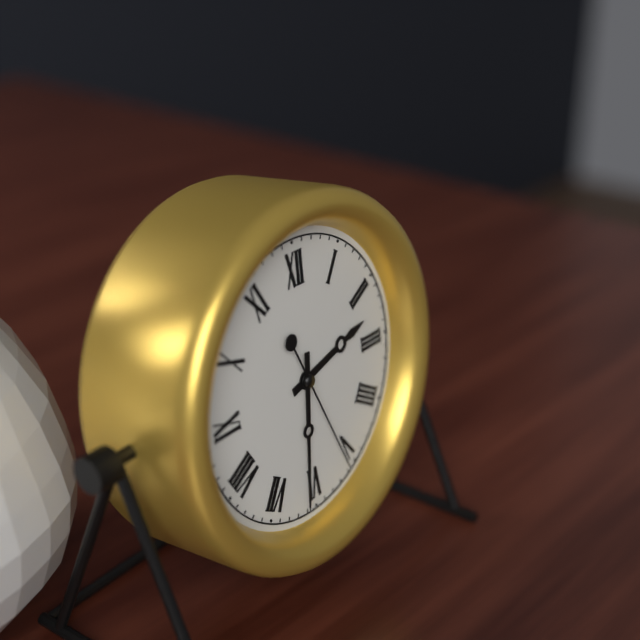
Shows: 2 h 31 min 26 s
